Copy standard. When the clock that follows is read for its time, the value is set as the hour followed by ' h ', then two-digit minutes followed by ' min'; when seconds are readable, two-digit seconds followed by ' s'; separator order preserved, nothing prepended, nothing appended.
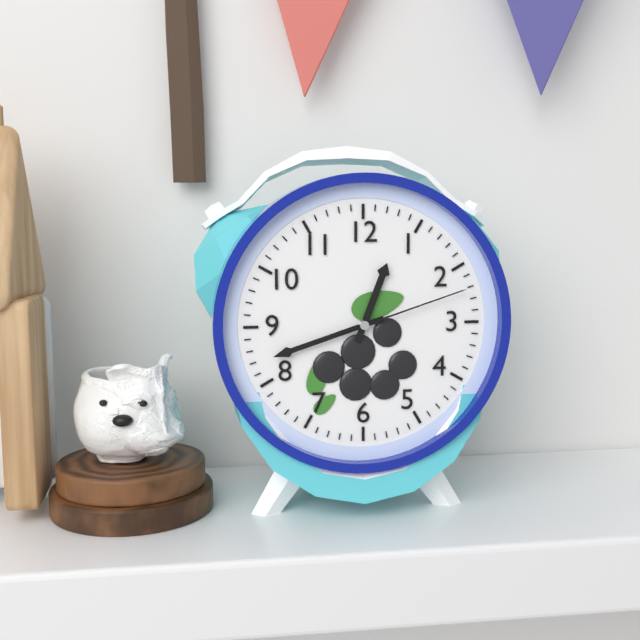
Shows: 12 h 42 min 12 s
